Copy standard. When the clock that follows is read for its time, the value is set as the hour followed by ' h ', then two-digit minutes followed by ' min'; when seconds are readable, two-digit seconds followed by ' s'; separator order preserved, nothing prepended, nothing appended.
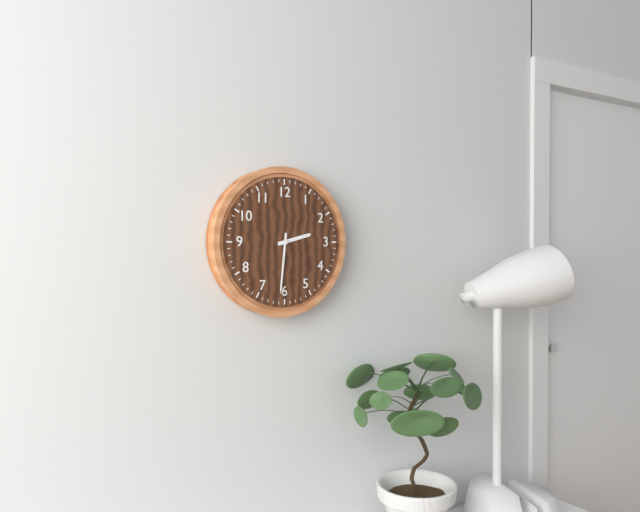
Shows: 2 h 31 min
